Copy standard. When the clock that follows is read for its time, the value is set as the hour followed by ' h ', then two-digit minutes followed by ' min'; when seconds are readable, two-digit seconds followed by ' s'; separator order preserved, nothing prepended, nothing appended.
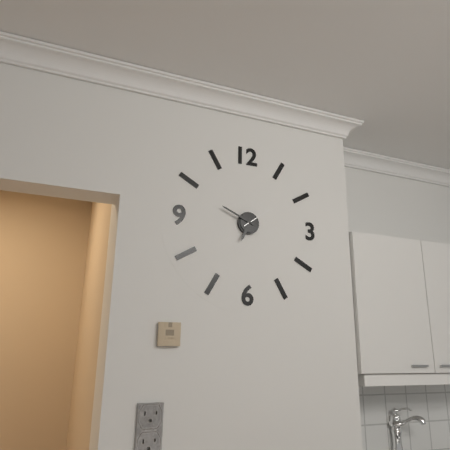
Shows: 6 h 49 min
